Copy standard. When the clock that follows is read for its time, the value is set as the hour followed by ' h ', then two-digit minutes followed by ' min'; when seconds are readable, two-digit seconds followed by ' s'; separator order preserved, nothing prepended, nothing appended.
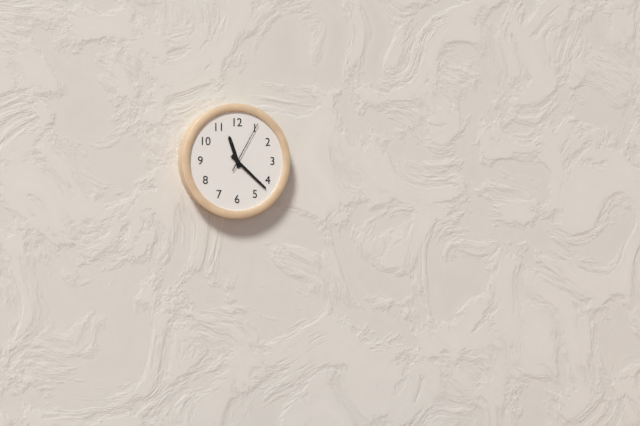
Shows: 11 h 22 min 05 s
